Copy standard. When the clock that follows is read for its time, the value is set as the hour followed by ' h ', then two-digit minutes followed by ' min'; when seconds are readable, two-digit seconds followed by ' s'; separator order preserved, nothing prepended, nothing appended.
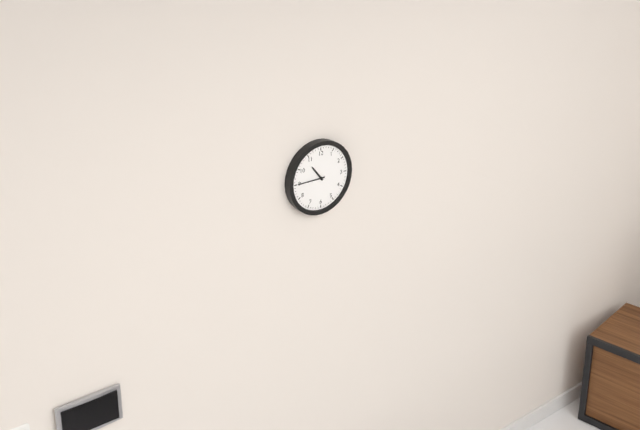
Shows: 10 h 45 min
